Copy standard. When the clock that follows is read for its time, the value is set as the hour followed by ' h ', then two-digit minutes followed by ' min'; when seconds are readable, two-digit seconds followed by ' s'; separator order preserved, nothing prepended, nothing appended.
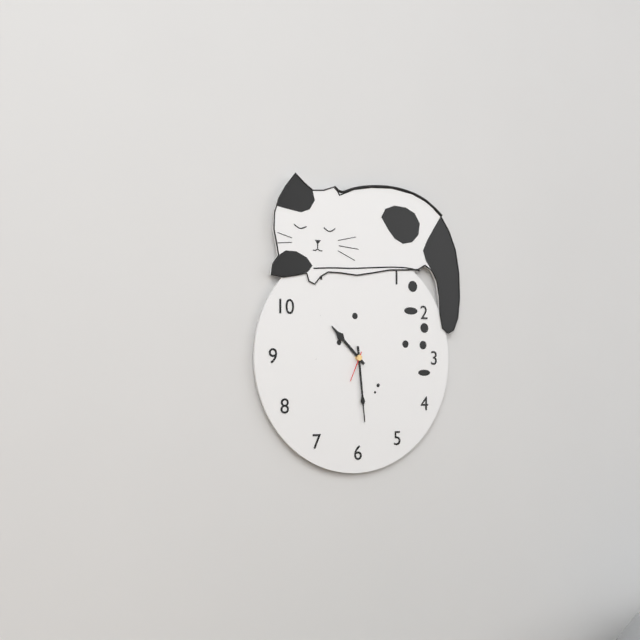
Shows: 10 h 29 min
